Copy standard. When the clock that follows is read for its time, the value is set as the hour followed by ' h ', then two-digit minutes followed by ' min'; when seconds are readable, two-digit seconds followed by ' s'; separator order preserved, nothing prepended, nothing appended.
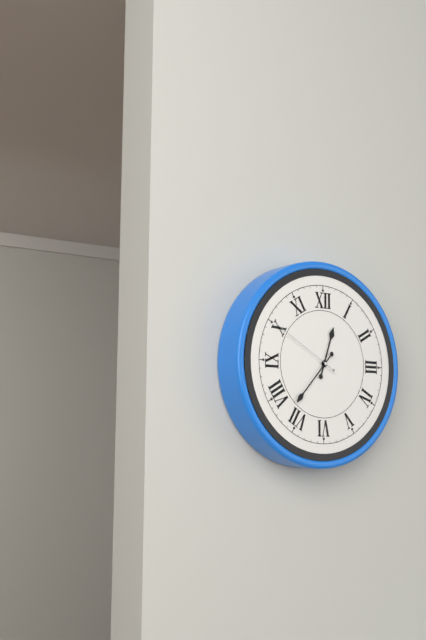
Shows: 12 h 37 min 50 s
